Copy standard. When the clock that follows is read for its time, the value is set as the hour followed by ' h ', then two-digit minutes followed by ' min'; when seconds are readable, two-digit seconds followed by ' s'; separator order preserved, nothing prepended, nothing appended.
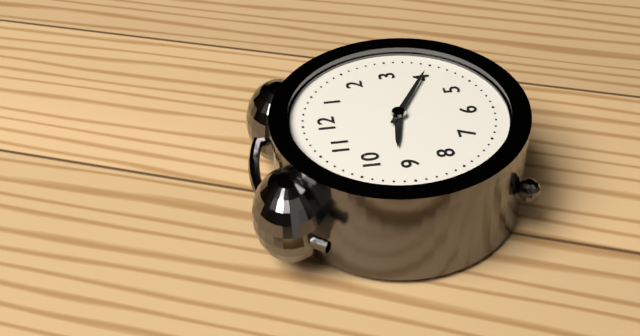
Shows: 9 h 20 min
